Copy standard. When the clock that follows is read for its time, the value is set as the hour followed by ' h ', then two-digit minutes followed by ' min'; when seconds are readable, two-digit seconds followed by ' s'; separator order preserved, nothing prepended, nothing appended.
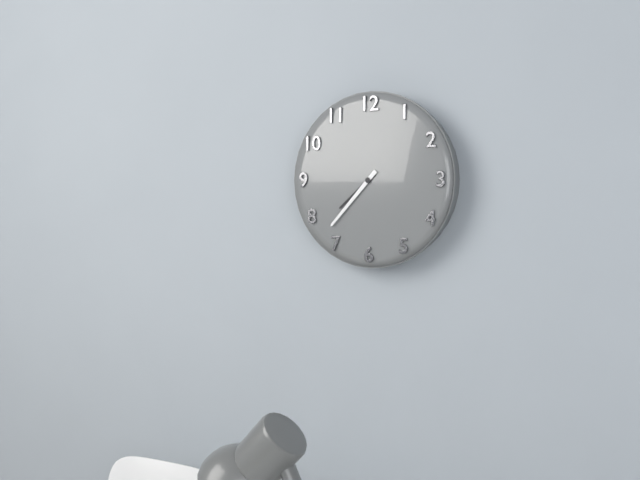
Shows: 7 h 37 min
